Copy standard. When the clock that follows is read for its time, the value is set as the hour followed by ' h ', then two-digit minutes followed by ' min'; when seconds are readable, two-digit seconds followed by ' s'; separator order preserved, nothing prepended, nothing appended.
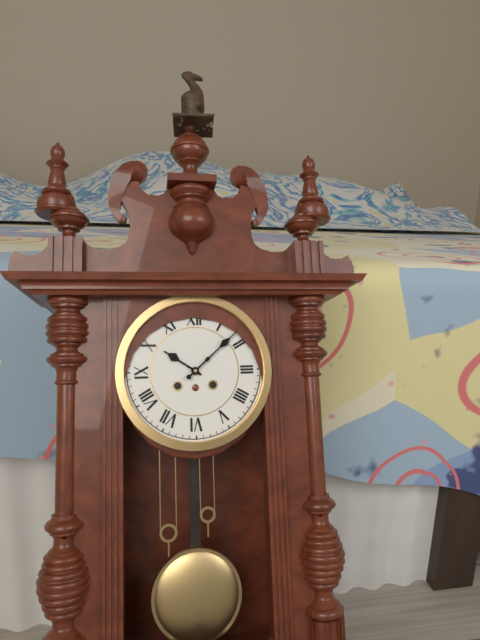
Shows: 10 h 08 min
